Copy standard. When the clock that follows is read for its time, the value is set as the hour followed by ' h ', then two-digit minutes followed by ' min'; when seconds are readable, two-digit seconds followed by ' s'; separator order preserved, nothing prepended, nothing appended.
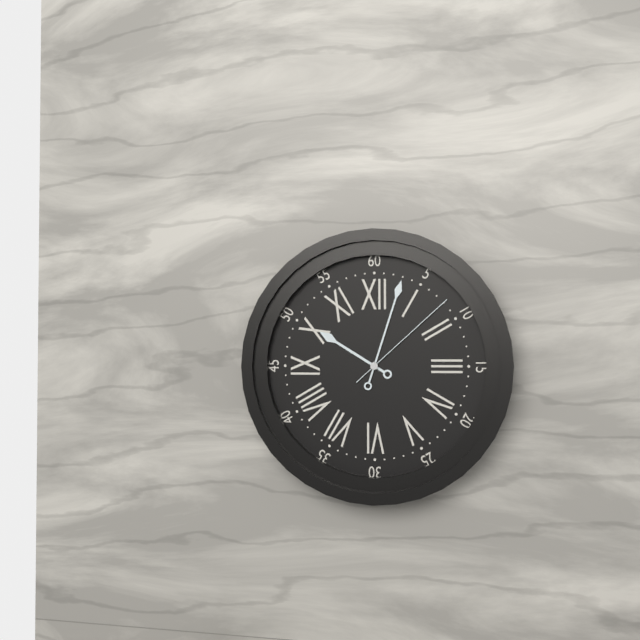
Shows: 10 h 03 min 08 s
